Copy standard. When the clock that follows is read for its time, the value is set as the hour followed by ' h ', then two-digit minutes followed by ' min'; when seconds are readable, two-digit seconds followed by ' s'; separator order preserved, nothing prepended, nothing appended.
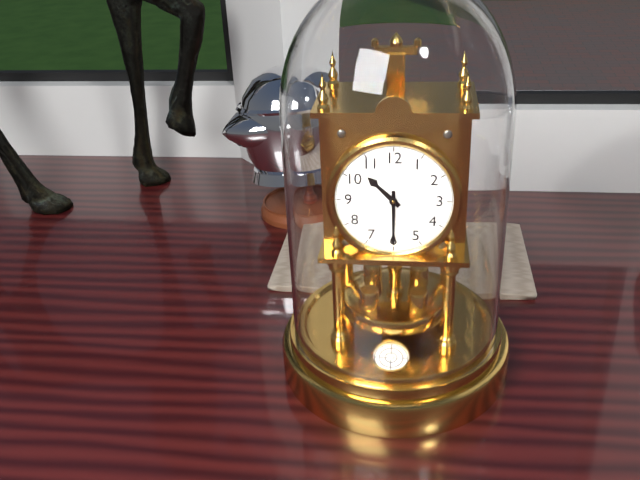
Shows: 10 h 30 min
